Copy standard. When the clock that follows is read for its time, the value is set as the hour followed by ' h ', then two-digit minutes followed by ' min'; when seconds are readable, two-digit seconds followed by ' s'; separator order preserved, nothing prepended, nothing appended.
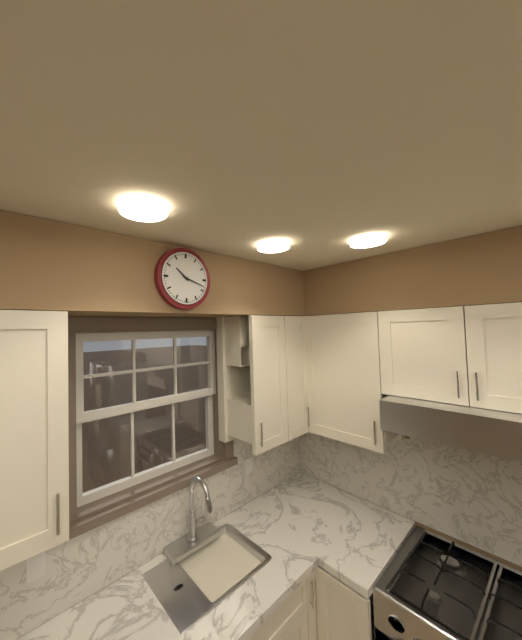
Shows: 10 h 18 min
